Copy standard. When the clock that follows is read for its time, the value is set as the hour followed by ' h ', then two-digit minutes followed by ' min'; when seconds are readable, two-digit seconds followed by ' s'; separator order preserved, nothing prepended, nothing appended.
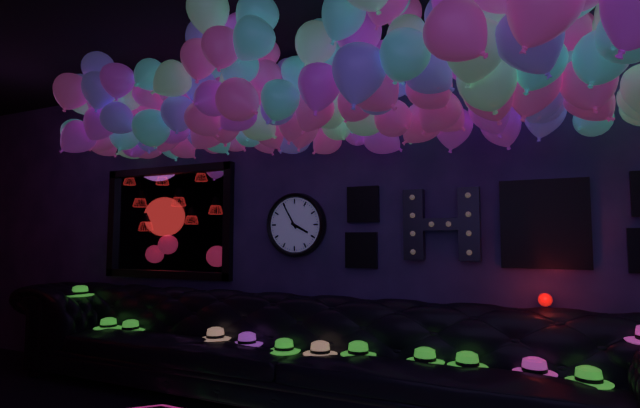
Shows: 3 h 55 min
